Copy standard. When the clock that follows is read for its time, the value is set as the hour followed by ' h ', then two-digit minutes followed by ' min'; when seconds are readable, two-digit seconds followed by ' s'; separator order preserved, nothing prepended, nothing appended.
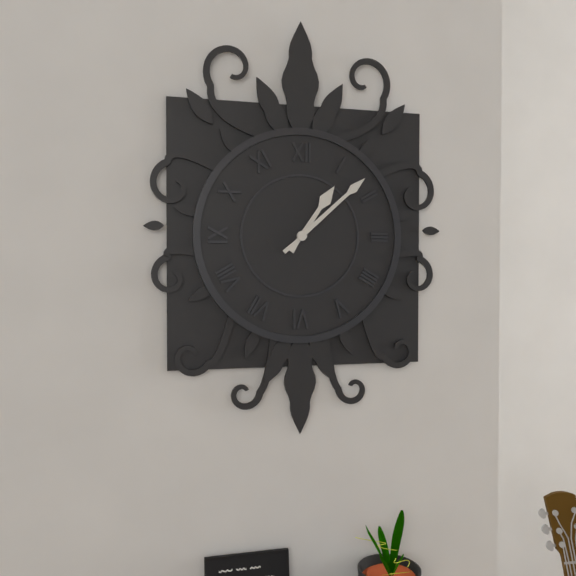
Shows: 1 h 08 min
